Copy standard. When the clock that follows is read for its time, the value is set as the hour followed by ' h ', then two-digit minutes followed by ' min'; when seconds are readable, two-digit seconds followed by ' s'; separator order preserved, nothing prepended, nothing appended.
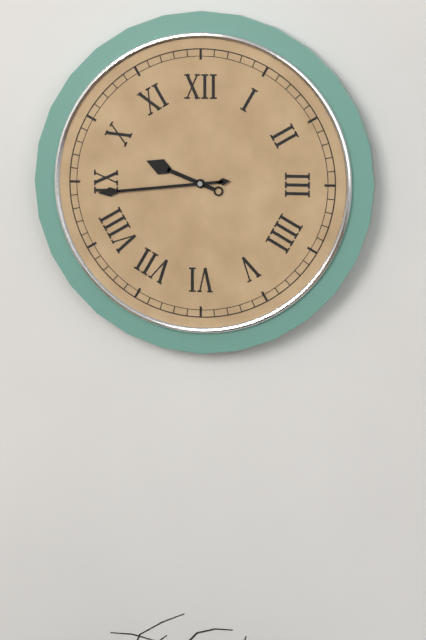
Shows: 9 h 44 min
